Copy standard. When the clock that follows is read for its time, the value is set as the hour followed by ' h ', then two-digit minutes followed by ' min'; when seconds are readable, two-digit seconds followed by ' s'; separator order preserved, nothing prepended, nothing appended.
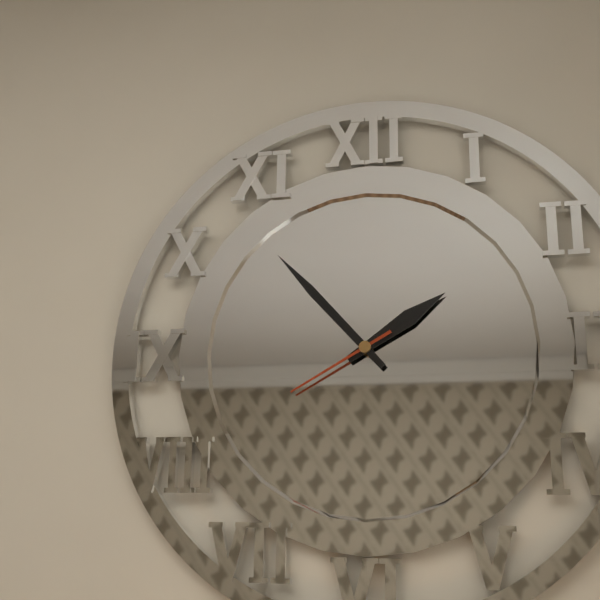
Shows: 1 h 53 min 40 s
